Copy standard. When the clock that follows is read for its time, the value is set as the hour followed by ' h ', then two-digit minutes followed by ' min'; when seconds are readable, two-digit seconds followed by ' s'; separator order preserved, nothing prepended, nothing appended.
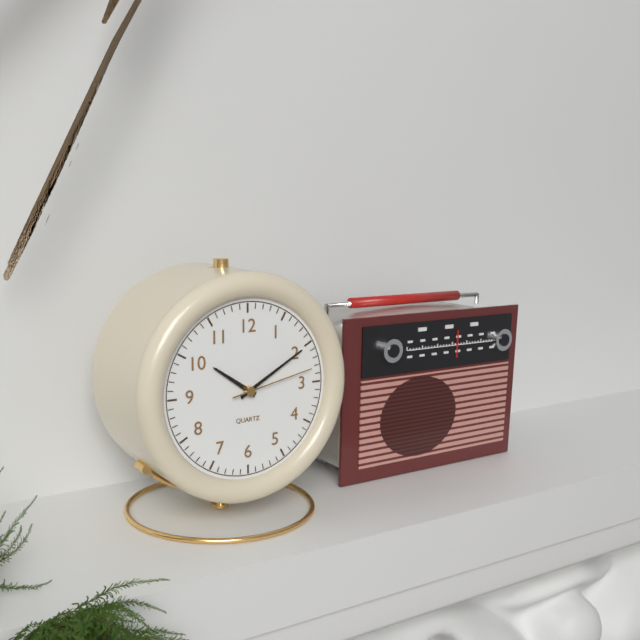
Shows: 10 h 10 min 13 s
